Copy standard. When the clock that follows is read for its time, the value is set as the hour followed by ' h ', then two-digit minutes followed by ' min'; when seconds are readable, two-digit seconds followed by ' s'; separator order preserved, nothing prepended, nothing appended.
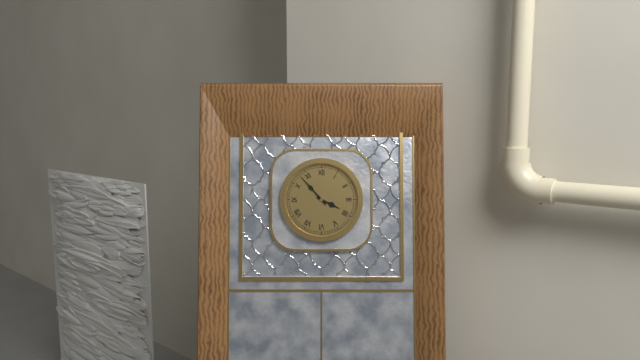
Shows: 3 h 53 min
